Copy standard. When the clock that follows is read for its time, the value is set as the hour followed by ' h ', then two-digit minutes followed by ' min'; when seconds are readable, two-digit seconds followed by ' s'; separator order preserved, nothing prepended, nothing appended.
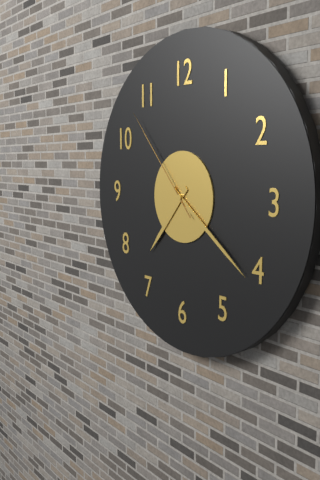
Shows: 7 h 21 min 53 s
